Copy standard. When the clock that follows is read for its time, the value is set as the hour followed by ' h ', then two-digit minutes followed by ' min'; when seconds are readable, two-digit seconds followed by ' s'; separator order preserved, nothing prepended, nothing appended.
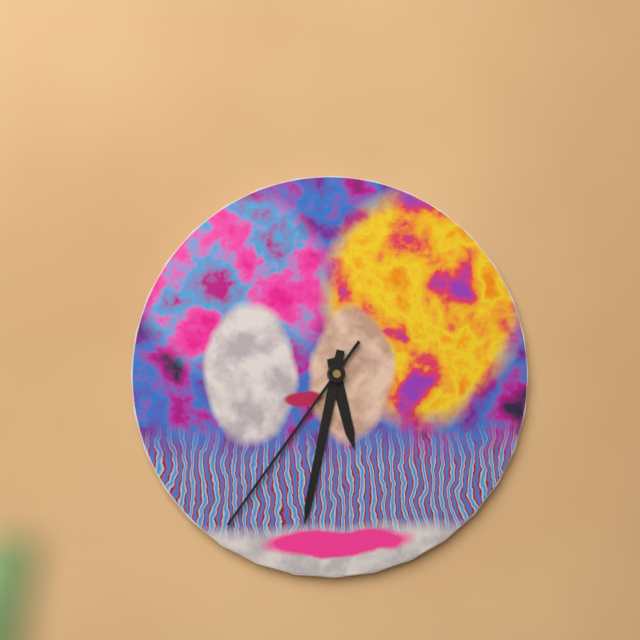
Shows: 5 h 32 min 36 s
